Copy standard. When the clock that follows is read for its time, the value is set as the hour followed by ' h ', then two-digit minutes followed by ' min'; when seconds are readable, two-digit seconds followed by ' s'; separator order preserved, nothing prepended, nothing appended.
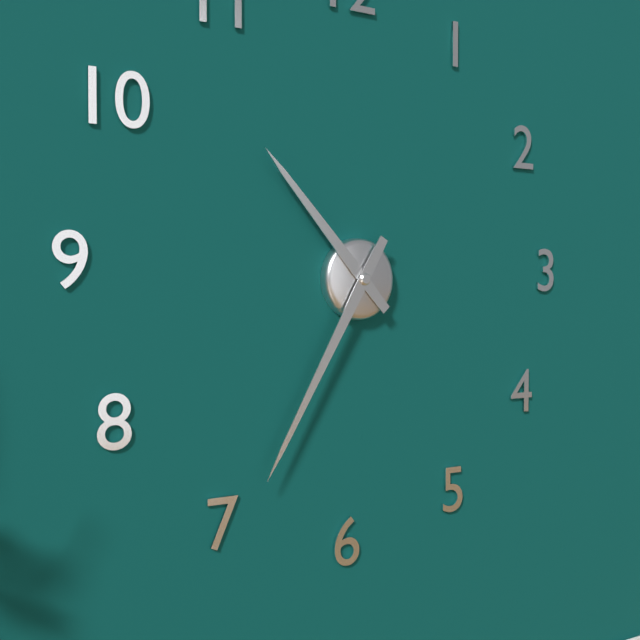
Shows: 10 h 35 min
